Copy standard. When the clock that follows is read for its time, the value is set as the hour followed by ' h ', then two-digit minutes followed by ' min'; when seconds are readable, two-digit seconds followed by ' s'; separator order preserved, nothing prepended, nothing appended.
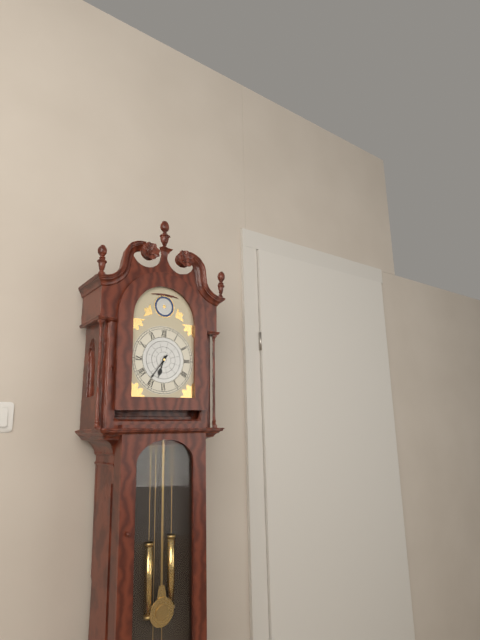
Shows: 6 h 36 min
